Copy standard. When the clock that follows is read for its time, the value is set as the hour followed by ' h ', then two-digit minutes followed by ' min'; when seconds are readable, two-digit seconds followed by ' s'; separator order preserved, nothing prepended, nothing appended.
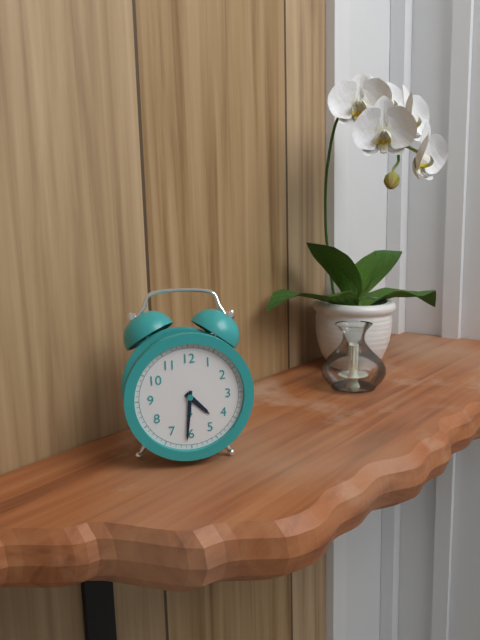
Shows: 4 h 31 min
